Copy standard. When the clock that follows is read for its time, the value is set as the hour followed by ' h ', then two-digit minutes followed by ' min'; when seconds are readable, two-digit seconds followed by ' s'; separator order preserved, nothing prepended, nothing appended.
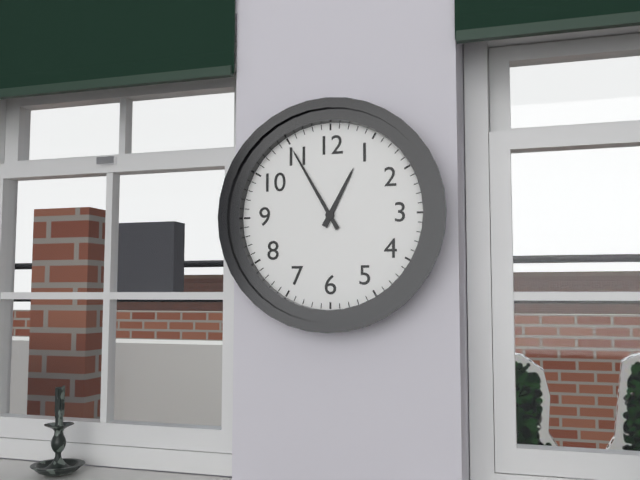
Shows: 12 h 55 min
